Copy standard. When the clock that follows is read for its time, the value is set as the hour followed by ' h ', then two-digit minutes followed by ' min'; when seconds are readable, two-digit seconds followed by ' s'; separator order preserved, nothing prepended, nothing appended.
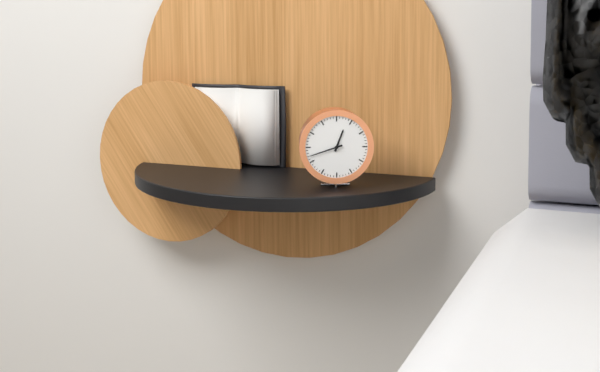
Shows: 12 h 42 min
